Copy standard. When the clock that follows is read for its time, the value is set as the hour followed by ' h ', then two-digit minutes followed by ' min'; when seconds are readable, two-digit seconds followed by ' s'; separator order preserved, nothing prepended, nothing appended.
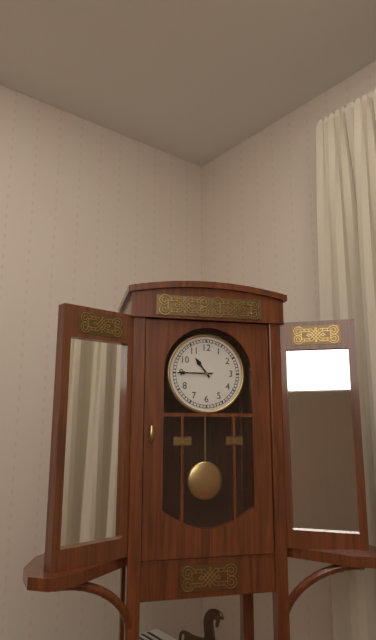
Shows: 10 h 45 min
